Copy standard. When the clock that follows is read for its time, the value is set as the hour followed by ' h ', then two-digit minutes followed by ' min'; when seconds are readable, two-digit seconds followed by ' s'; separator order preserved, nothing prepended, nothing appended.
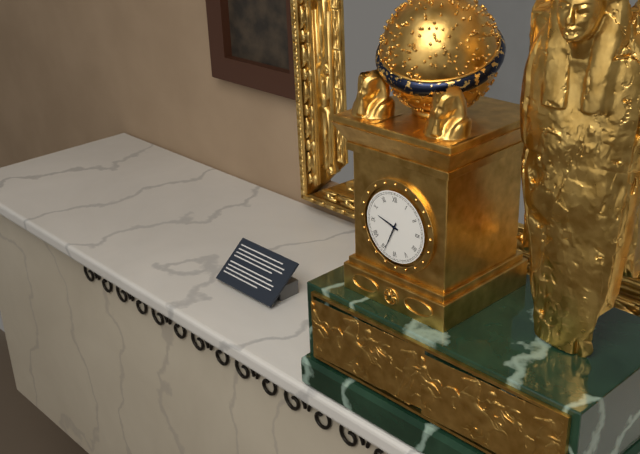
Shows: 9 h 34 min
